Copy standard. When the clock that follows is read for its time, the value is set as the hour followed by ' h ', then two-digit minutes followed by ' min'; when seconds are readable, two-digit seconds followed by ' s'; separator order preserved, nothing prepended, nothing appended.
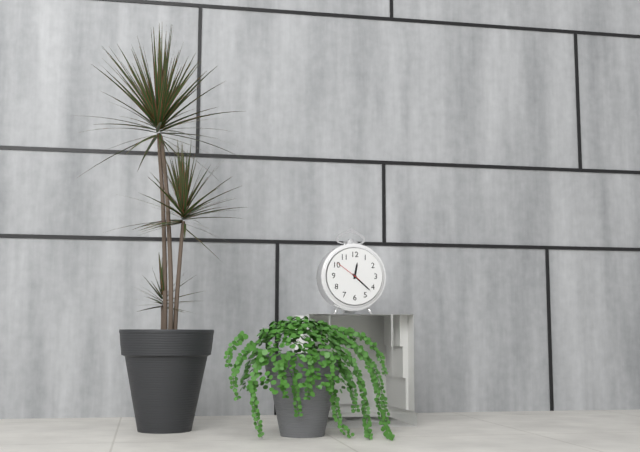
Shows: 12 h 22 min
